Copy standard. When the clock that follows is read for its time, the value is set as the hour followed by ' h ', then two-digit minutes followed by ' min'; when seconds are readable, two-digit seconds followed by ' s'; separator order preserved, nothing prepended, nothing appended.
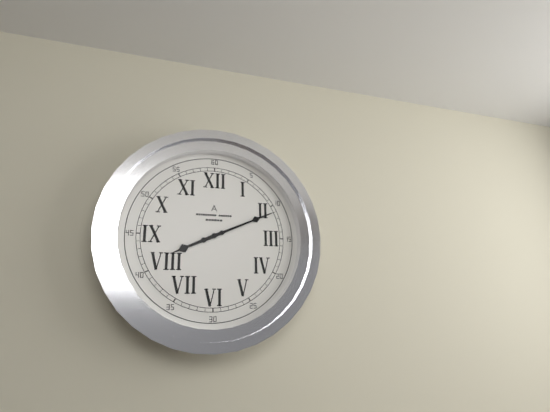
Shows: 8 h 11 min
